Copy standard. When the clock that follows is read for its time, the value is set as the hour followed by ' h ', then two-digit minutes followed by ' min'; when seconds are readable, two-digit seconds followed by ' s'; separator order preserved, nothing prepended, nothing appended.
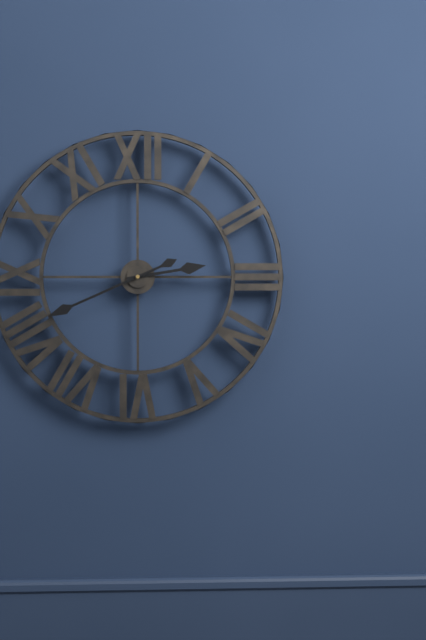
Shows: 2 h 41 min
